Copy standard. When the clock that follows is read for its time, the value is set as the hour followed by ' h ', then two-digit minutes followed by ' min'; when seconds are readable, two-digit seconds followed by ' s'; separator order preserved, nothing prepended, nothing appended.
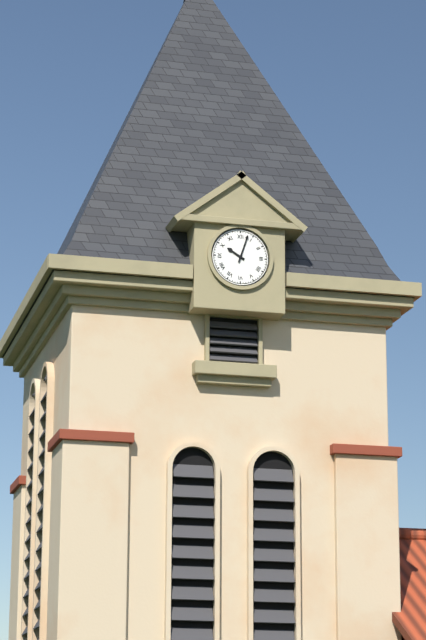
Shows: 10 h 03 min
